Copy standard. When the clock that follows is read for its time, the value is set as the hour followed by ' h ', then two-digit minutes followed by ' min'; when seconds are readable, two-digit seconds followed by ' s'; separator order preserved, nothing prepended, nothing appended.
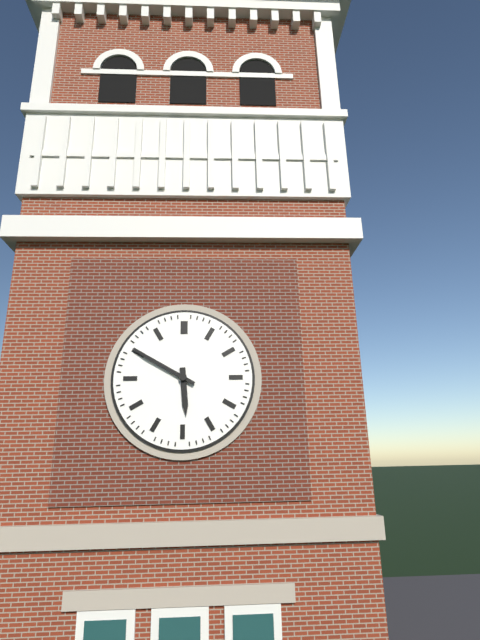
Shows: 5 h 50 min
